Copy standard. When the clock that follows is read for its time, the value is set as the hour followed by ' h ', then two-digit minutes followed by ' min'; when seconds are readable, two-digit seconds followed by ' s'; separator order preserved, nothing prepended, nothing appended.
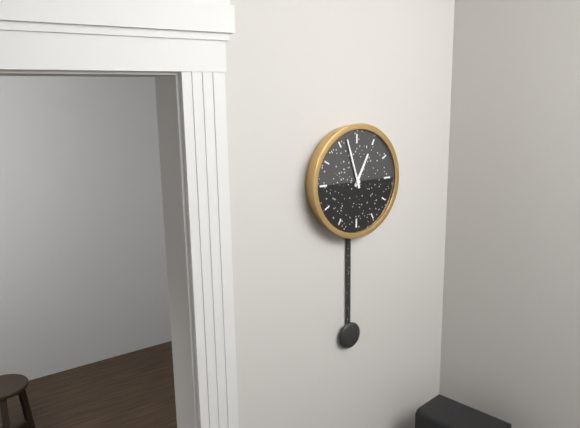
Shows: 12 h 57 min
